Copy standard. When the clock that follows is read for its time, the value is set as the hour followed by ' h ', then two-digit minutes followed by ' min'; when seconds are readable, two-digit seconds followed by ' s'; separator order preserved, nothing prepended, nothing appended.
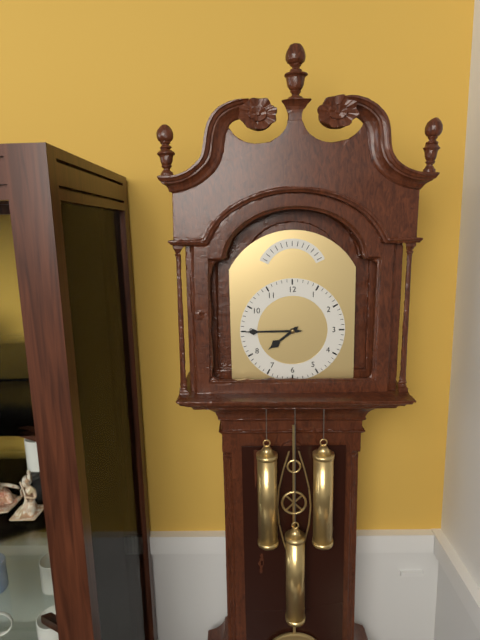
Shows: 7 h 45 min
